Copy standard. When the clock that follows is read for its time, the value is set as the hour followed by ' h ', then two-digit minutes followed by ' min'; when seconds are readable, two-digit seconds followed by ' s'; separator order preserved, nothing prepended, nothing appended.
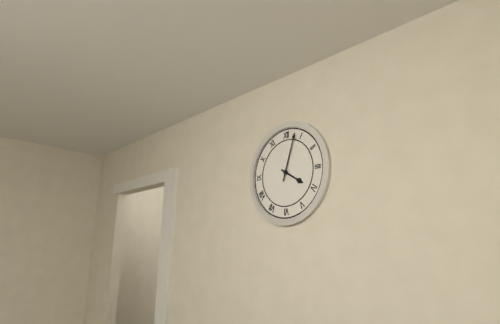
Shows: 4 h 03 min
